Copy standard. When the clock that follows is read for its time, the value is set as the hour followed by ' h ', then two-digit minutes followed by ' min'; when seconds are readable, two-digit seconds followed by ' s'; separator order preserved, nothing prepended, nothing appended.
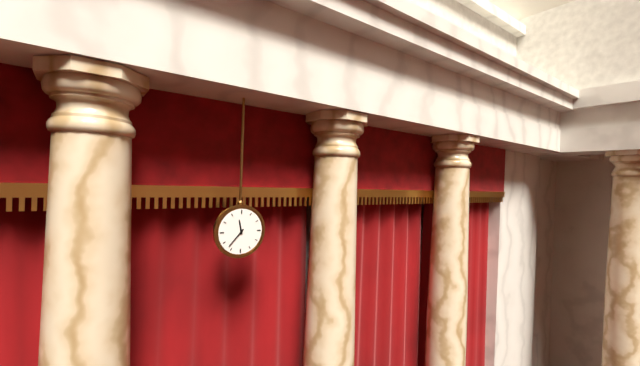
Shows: 11 h 37 min
